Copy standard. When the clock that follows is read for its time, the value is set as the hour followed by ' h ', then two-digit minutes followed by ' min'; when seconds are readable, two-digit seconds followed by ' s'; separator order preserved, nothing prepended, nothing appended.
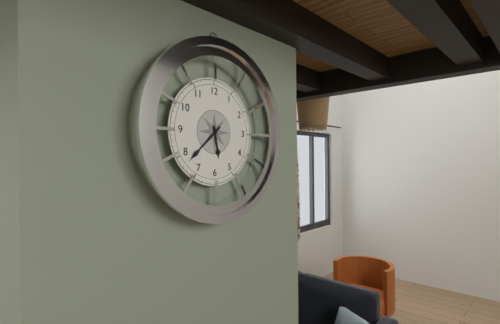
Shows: 5 h 38 min
